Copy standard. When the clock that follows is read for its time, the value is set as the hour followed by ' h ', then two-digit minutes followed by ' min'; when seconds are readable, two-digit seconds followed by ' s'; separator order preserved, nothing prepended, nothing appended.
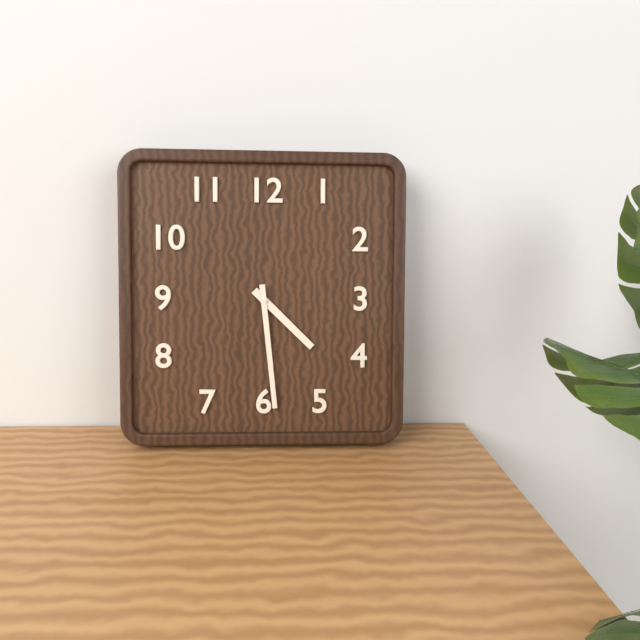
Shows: 4 h 29 min
